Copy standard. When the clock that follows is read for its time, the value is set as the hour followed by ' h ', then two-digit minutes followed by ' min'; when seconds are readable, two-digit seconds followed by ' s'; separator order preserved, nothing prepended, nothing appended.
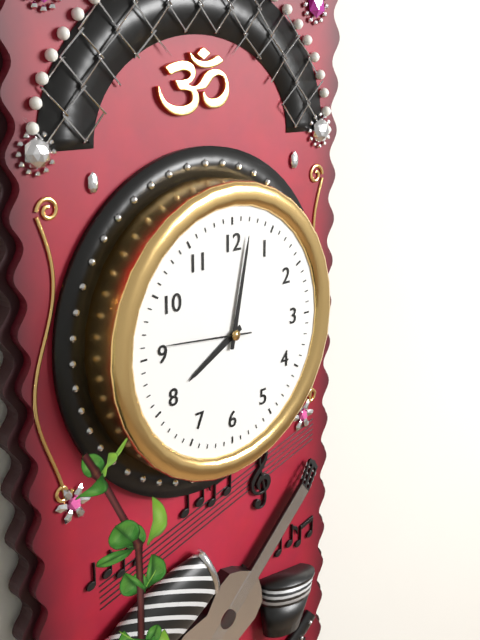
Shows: 8 h 02 min 46 s
